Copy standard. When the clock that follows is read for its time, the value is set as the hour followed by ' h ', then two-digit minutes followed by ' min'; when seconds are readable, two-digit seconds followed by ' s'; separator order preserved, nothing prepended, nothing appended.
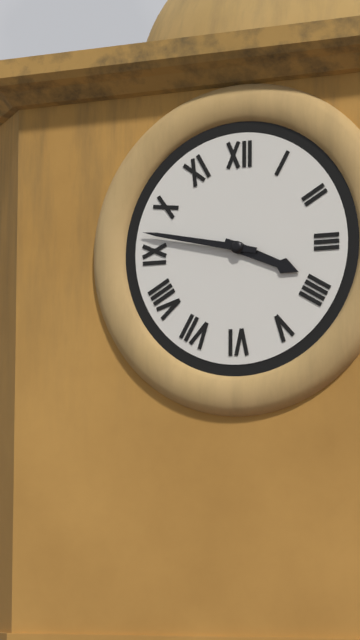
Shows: 3 h 47 min
